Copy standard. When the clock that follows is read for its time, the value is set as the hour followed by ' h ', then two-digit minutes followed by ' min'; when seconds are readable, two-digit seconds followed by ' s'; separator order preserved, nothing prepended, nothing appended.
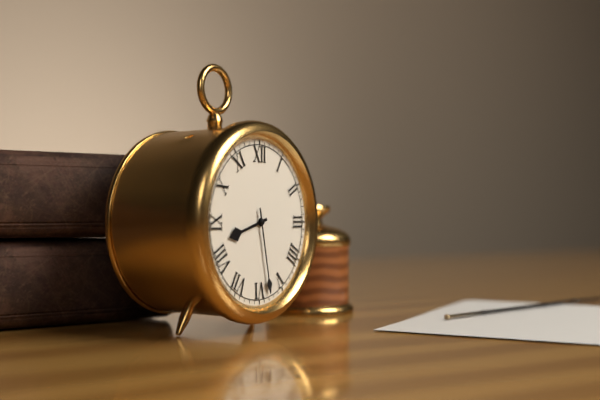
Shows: 8 h 28 min
